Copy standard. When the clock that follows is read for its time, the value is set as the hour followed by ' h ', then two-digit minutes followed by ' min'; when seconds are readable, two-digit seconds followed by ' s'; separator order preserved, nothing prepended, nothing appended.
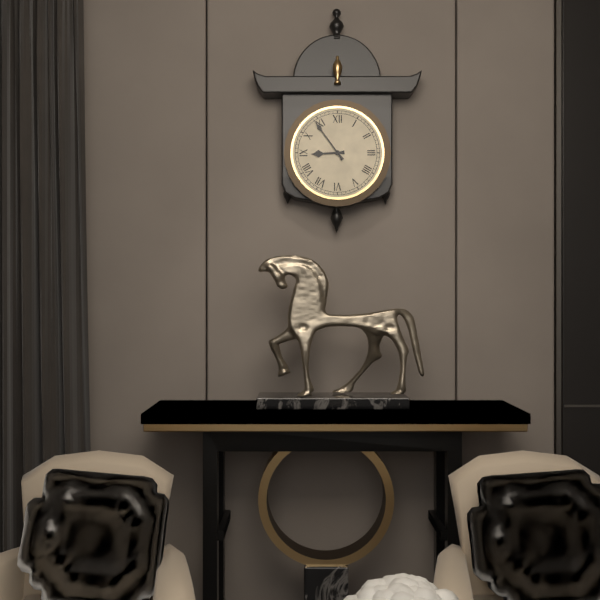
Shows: 8 h 54 min
